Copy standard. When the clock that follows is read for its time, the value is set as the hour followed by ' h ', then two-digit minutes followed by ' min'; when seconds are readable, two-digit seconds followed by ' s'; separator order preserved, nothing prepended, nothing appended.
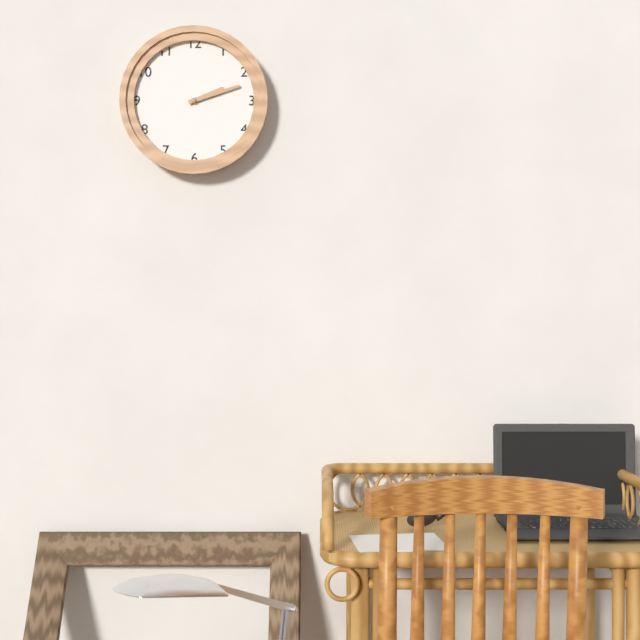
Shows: 2 h 12 min
